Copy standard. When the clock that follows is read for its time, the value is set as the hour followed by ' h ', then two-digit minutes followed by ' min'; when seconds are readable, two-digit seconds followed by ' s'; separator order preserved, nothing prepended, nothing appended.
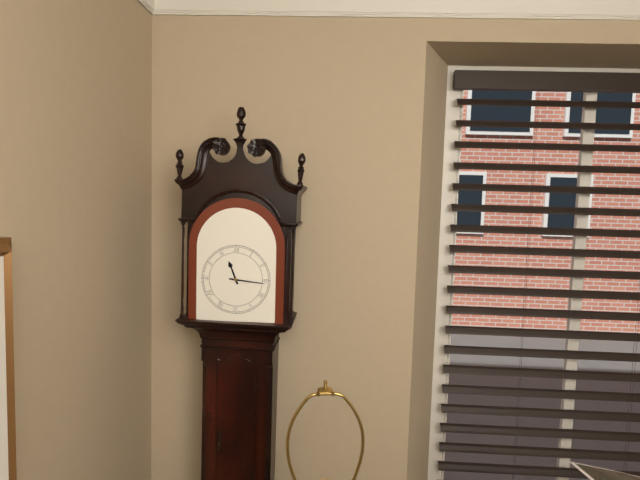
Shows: 11 h 16 min
